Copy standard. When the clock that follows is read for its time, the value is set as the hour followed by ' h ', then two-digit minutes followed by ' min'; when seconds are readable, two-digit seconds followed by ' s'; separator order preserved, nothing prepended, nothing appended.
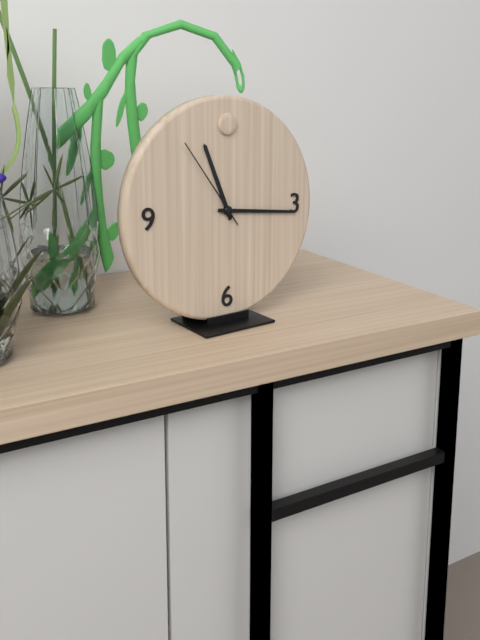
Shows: 11 h 16 min 54 s
